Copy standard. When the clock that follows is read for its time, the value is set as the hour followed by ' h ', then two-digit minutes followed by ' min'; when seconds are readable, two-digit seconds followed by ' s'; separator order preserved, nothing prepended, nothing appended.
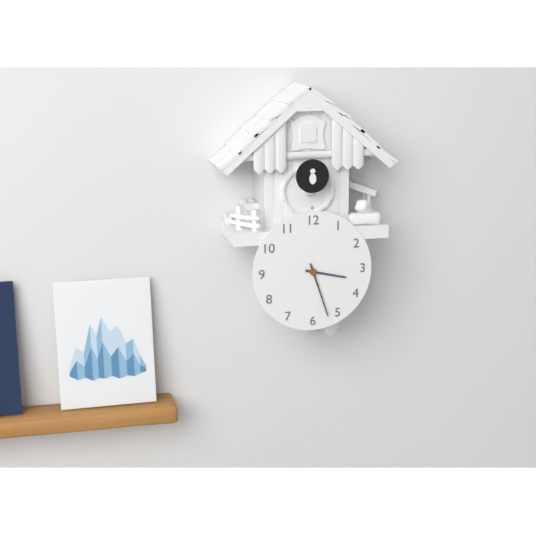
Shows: 3 h 27 min
